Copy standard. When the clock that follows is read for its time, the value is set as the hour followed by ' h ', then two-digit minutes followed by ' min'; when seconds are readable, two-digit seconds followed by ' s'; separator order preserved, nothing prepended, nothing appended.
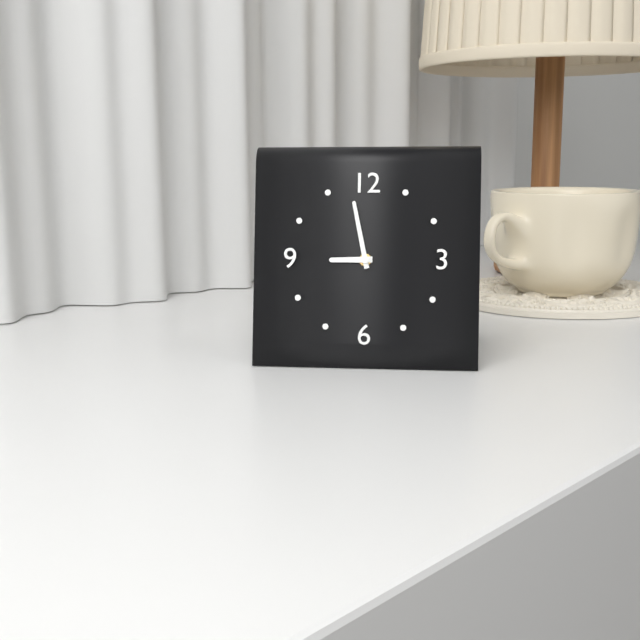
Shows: 8 h 58 min
